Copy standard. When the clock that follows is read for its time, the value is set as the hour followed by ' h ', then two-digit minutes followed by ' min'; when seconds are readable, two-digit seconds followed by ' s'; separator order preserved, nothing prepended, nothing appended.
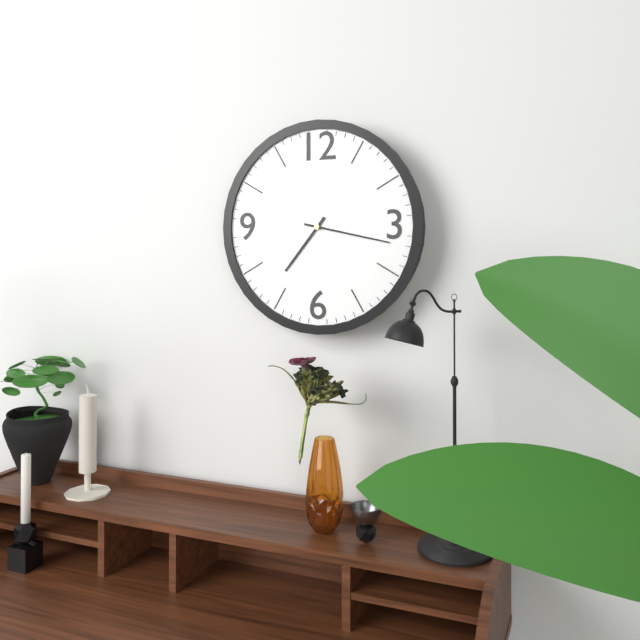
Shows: 7 h 17 min
